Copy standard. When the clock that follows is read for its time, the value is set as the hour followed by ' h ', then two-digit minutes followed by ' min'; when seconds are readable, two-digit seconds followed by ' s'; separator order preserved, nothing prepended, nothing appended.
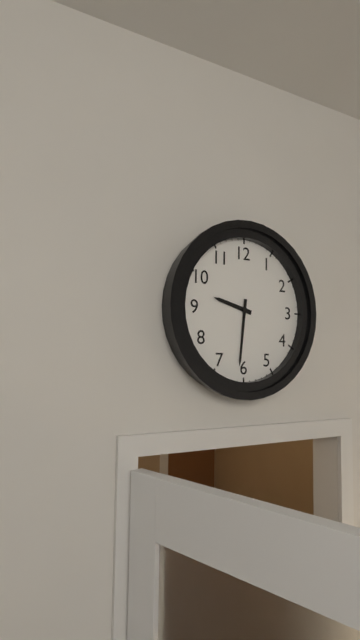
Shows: 9 h 31 min
